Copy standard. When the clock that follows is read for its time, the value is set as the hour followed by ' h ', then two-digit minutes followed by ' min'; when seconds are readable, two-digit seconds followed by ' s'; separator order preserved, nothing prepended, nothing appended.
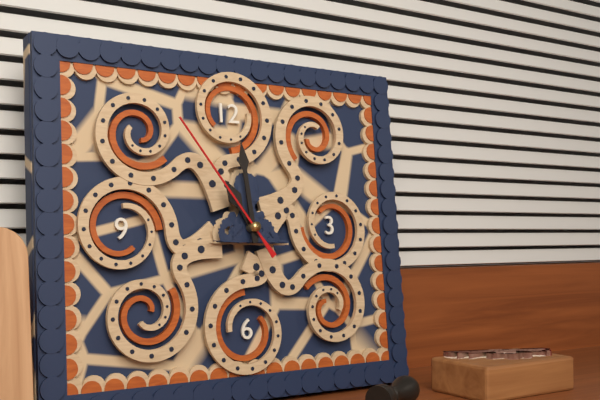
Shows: 10 h 59 min 54 s
